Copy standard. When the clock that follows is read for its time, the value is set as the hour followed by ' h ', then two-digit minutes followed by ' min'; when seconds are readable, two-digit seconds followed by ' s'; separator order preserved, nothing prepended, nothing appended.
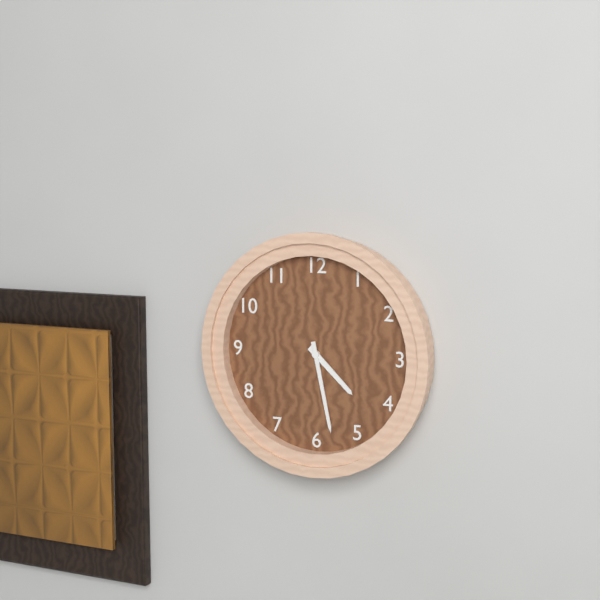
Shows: 4 h 28 min
